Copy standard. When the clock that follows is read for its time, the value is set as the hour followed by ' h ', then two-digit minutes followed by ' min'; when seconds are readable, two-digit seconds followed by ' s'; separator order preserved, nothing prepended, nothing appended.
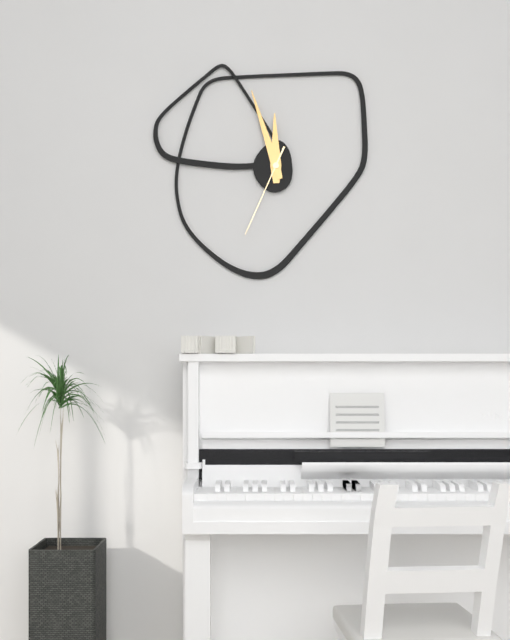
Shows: 11 h 57 min 34 s
